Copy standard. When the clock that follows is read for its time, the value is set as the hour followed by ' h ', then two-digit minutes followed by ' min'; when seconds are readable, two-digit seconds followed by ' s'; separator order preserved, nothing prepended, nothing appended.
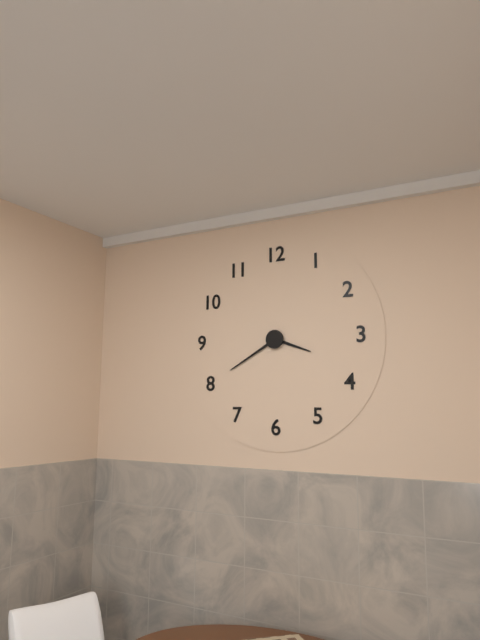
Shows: 3 h 40 min
